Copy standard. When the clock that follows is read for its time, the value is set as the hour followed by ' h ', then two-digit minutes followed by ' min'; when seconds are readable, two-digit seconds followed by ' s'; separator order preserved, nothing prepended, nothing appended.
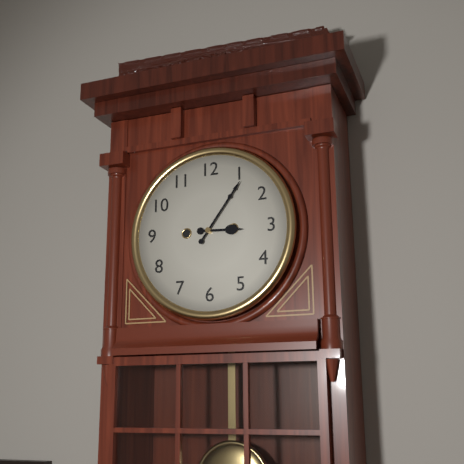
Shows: 3 h 06 min
